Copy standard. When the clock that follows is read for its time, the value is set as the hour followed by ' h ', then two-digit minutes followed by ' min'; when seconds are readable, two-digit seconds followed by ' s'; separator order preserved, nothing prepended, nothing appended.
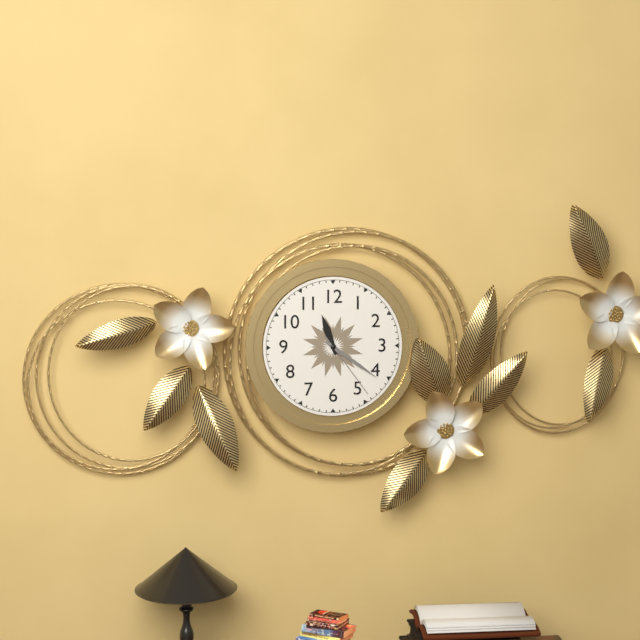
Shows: 11 h 21 min 24 s
